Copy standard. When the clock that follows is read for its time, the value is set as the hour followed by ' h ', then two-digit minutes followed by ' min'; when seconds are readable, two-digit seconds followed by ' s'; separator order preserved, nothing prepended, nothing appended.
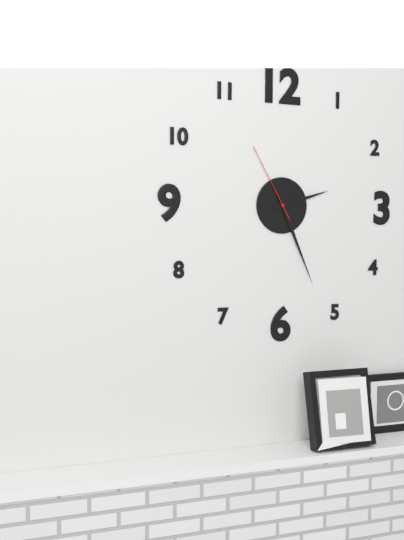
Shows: 2 h 26 min 55 s
